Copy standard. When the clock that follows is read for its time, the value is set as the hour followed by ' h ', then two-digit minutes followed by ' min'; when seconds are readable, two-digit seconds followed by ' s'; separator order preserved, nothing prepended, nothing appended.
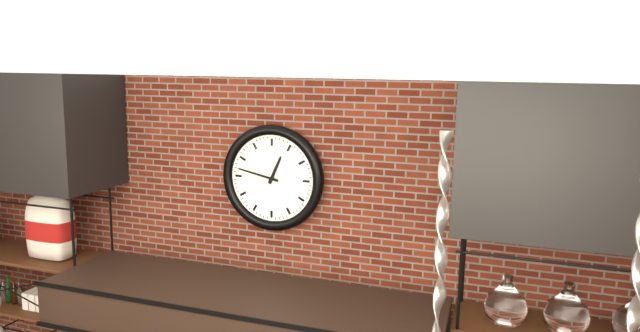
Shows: 12 h 47 min
